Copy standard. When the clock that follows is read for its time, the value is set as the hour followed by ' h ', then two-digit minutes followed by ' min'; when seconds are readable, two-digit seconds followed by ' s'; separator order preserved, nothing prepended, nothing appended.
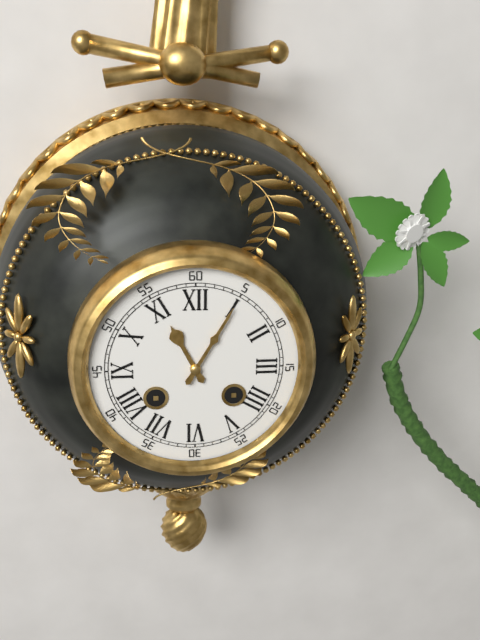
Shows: 11 h 05 min
